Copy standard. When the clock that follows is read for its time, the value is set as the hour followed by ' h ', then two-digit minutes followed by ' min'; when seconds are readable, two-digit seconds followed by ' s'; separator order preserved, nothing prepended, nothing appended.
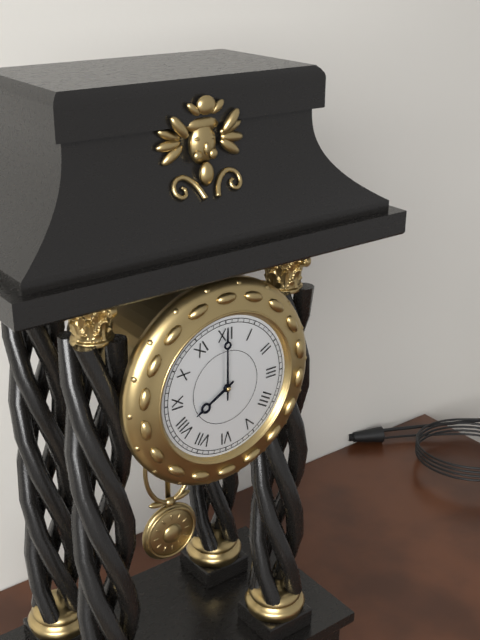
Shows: 8 h 00 min
